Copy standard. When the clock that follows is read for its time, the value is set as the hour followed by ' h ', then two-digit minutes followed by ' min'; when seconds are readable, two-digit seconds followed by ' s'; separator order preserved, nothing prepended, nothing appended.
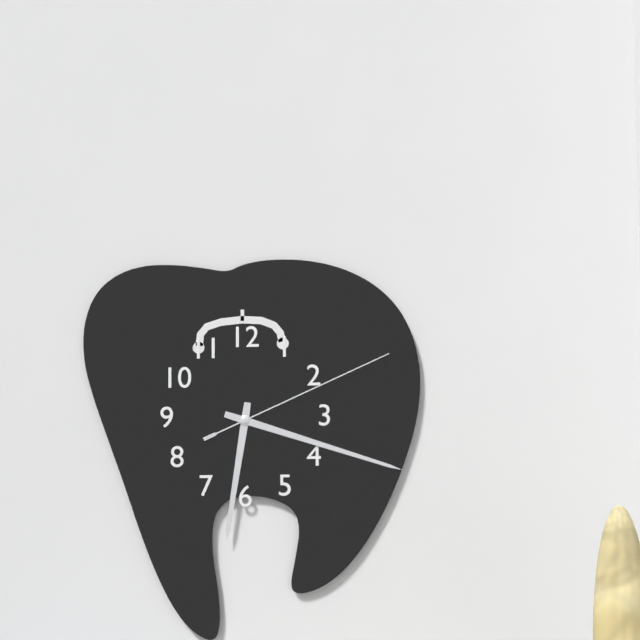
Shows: 6 h 18 min 11 s
